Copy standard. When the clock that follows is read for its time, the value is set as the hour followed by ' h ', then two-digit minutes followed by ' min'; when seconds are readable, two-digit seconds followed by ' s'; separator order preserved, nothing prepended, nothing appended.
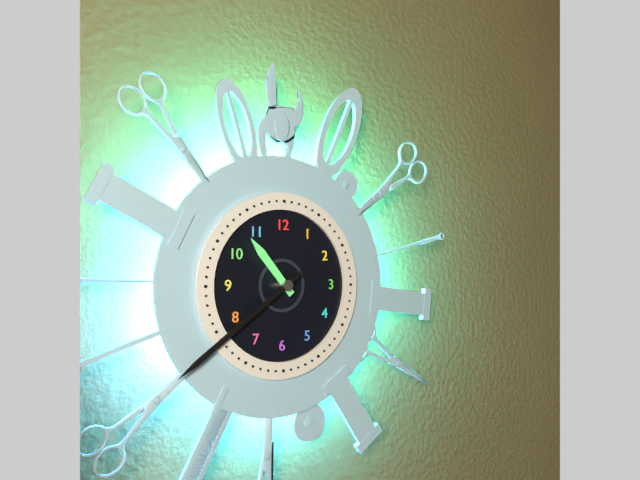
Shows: 10 h 39 min
